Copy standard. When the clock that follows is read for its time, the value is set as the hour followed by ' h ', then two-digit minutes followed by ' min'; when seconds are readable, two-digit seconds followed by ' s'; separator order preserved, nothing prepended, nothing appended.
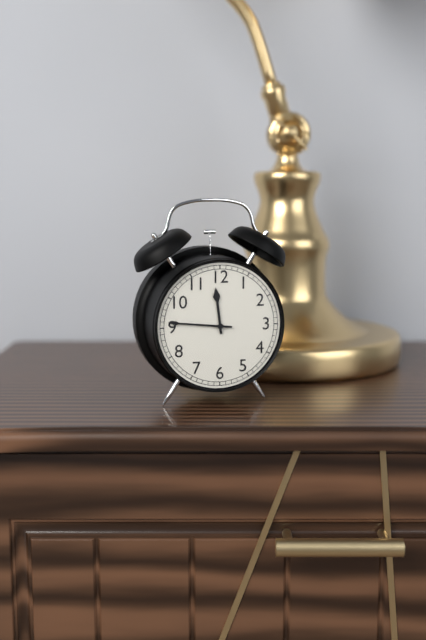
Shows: 11 h 46 min
